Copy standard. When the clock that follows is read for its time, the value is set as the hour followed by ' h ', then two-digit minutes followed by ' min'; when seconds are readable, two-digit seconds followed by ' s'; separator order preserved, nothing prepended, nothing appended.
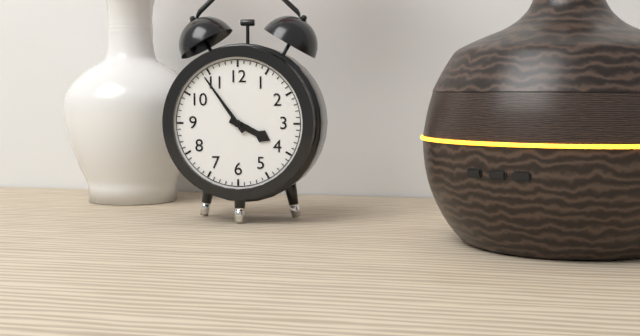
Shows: 3 h 54 min
